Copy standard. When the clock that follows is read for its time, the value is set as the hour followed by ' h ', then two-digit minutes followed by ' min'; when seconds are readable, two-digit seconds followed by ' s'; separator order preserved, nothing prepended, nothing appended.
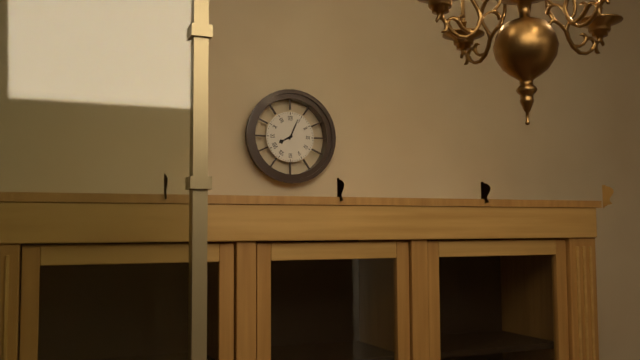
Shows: 8 h 04 min
